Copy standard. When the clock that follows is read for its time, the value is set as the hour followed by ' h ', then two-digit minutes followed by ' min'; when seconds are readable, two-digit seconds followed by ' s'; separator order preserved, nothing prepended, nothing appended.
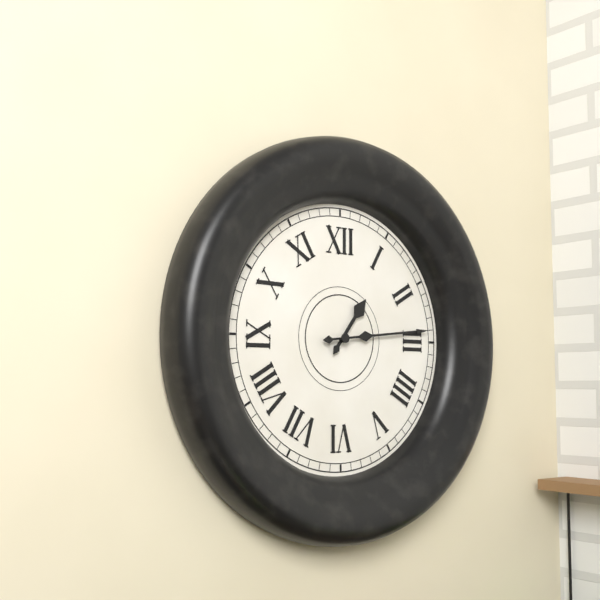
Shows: 1 h 14 min
